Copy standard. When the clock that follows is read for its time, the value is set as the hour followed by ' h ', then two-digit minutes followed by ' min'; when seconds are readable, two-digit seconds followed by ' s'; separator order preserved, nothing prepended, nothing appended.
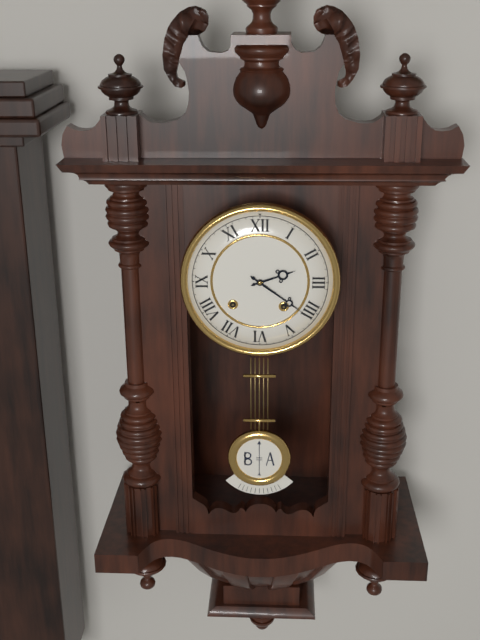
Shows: 2 h 21 min
